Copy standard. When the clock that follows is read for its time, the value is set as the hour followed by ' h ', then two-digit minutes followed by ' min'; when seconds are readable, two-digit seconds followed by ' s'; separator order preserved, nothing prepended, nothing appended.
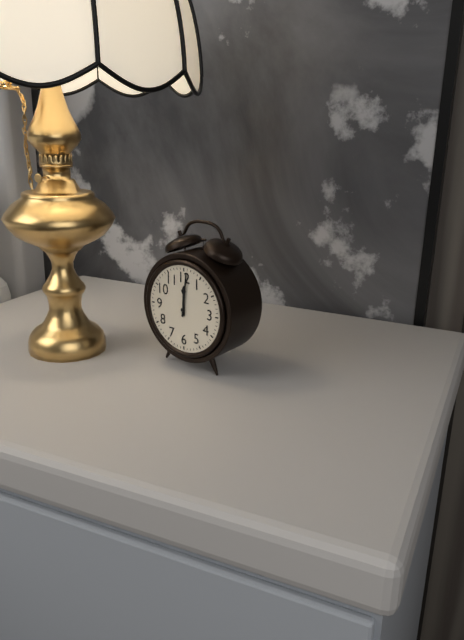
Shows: 12 h 01 min
